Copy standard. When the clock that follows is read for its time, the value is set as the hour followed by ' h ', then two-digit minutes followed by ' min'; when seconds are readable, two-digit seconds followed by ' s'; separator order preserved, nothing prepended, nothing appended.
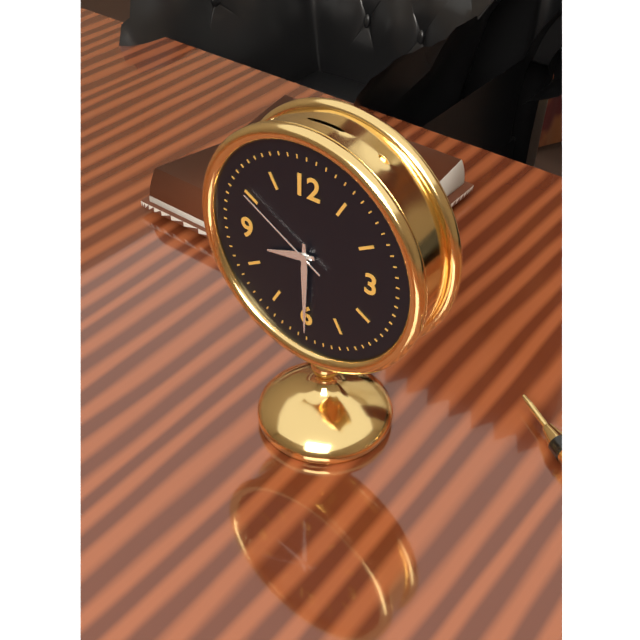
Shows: 8 h 30 min 50 s
